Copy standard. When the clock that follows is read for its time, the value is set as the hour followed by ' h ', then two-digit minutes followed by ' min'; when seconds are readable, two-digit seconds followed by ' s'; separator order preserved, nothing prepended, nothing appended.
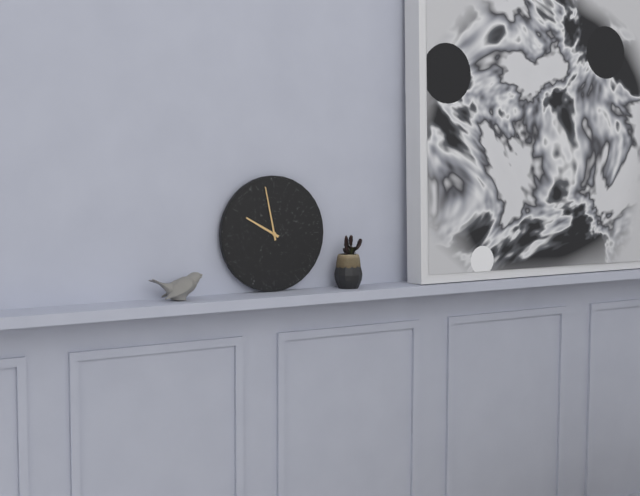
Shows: 9 h 58 min
